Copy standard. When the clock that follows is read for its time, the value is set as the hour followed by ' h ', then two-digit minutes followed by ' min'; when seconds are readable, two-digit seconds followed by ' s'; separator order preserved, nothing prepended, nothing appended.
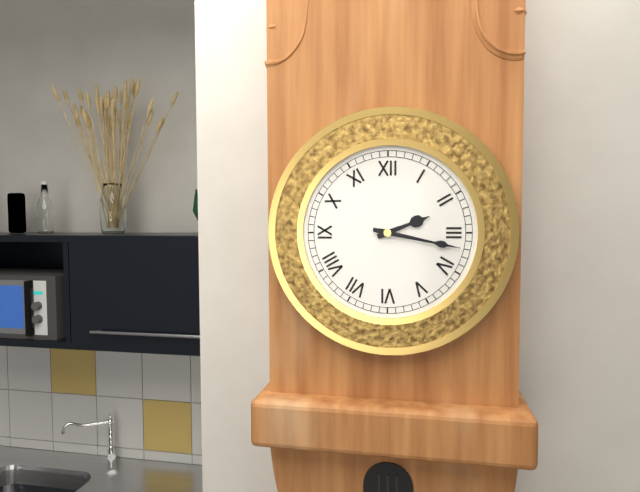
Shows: 2 h 17 min
